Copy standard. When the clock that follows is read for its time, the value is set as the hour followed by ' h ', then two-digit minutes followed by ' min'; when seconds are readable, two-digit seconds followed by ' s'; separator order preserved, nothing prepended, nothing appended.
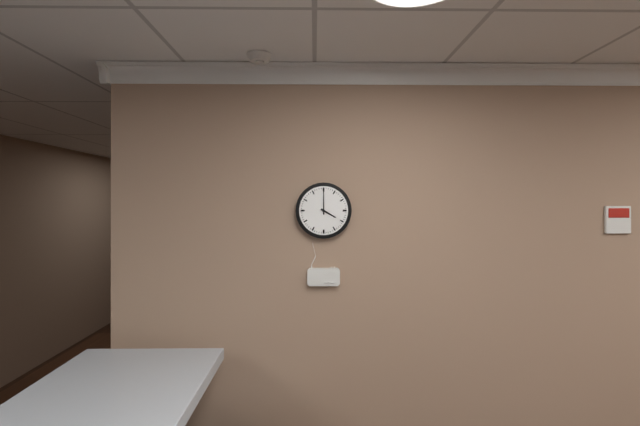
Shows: 4 h 00 min
